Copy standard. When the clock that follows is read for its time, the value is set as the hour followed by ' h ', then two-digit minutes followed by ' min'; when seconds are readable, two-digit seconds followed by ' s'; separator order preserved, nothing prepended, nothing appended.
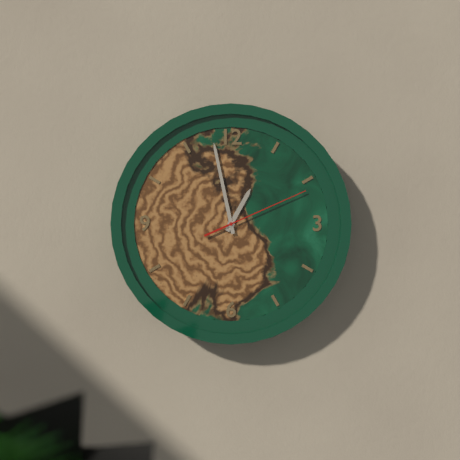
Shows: 12 h 58 min 11 s
